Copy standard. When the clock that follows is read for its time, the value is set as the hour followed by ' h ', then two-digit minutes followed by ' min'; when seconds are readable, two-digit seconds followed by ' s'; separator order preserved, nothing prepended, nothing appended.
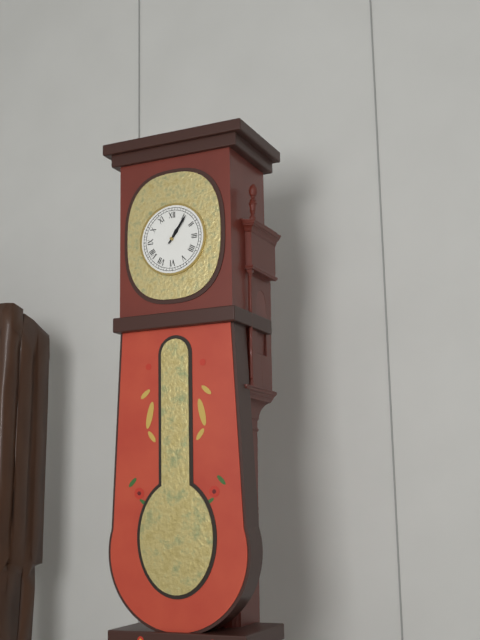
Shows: 1 h 06 min
